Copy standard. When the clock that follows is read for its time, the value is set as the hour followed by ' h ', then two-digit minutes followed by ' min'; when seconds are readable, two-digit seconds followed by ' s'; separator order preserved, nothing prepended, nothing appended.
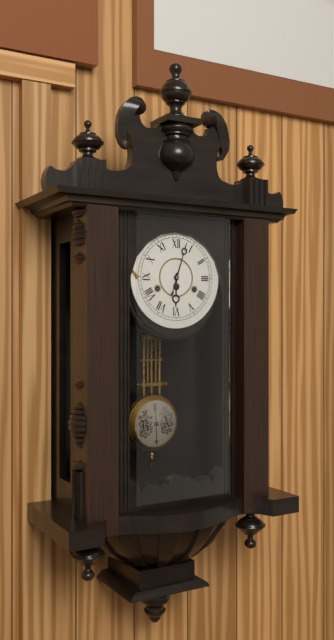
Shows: 6 h 03 min
